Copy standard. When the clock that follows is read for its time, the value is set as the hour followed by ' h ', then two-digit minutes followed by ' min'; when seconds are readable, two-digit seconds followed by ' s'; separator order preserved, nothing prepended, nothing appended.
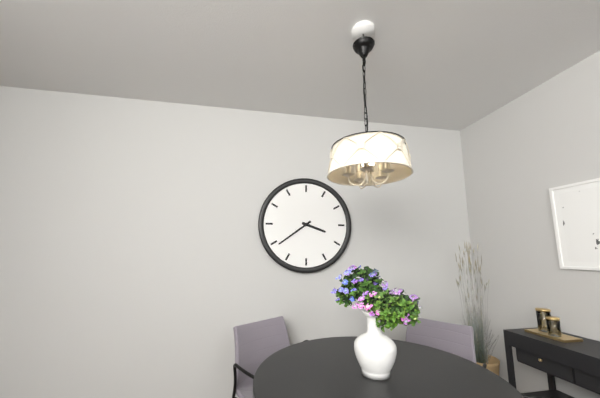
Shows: 3 h 39 min
